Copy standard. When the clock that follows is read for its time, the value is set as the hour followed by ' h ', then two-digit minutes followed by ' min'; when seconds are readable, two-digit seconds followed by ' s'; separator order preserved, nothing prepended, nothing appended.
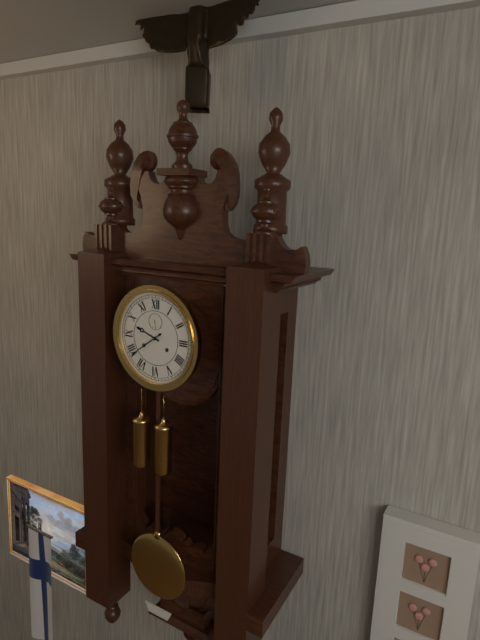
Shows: 9 h 39 min
